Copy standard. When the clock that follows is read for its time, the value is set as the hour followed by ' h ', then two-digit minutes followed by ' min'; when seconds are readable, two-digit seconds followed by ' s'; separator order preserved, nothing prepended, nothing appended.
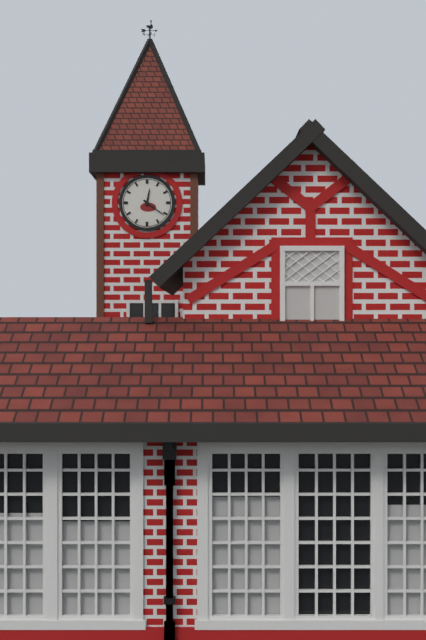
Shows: 12 h 21 min
